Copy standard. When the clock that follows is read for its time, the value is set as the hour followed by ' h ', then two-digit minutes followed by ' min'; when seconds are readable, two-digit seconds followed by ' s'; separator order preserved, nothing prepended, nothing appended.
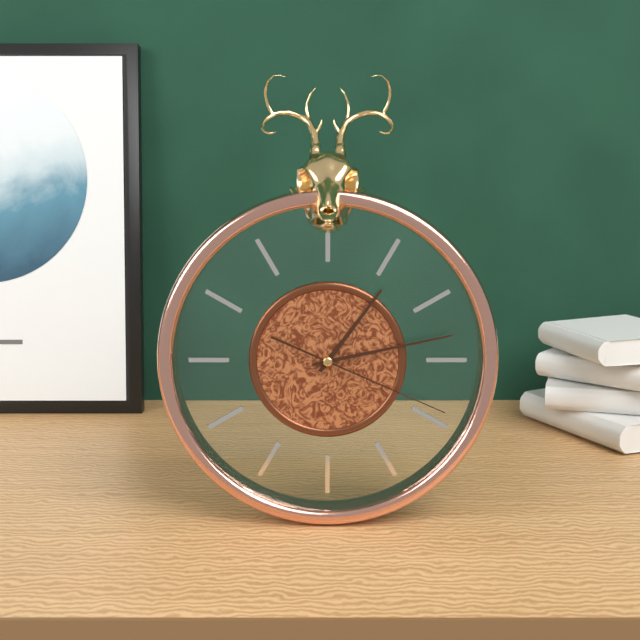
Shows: 1 h 13 min 19 s
